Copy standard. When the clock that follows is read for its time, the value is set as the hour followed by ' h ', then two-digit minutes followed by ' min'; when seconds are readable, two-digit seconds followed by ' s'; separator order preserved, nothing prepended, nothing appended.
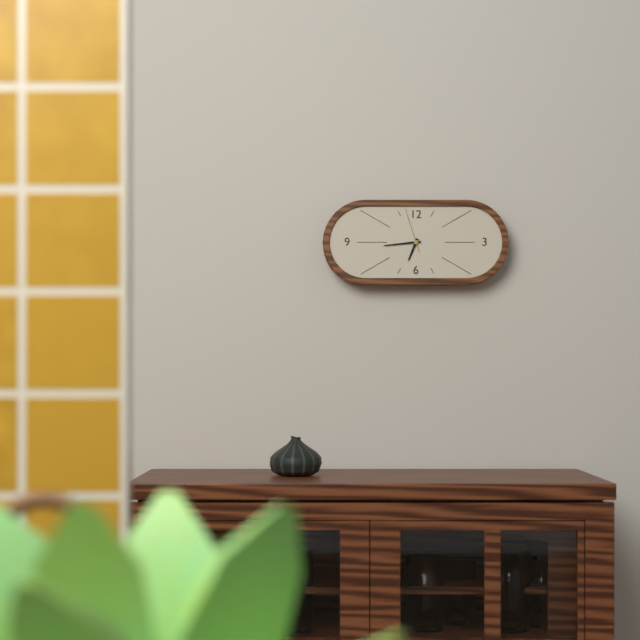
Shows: 6 h 44 min
